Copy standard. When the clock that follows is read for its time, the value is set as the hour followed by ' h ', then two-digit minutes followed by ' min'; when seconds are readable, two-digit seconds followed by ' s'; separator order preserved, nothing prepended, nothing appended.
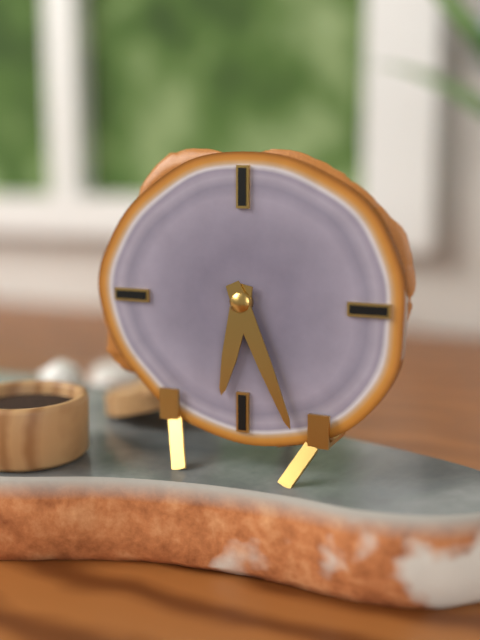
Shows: 6 h 26 min
